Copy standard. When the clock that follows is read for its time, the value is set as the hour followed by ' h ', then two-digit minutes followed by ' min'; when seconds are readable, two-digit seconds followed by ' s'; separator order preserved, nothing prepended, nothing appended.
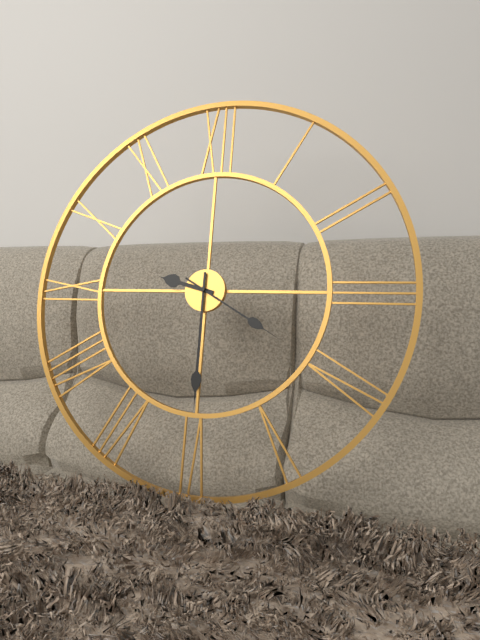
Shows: 9 h 30 min 20 s
